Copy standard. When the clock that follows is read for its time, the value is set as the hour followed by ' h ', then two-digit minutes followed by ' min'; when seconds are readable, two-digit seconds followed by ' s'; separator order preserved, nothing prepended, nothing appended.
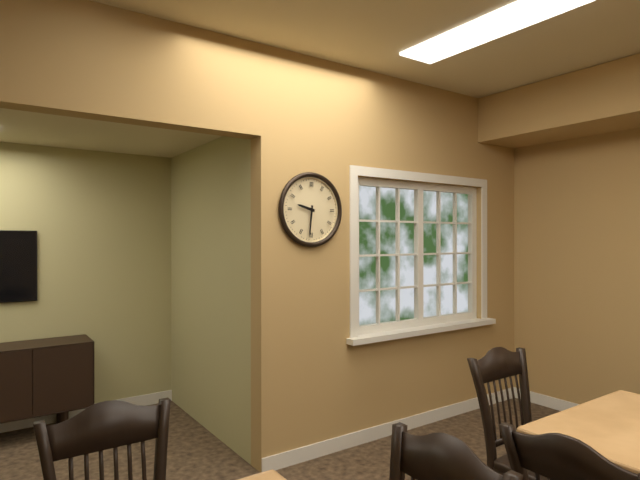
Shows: 9 h 31 min
